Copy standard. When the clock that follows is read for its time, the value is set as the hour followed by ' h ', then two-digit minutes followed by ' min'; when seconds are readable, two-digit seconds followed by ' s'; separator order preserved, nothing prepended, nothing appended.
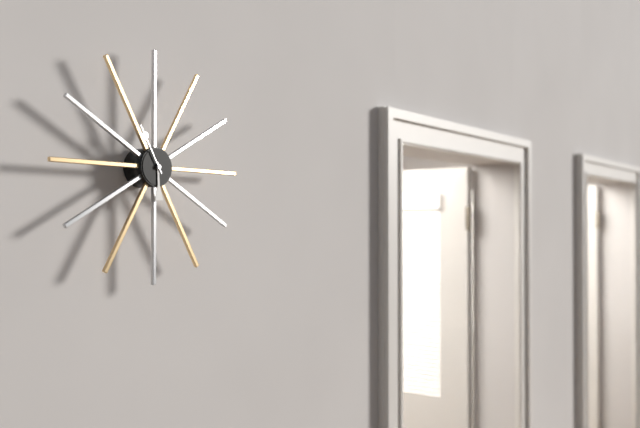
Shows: 5 h 55 min
